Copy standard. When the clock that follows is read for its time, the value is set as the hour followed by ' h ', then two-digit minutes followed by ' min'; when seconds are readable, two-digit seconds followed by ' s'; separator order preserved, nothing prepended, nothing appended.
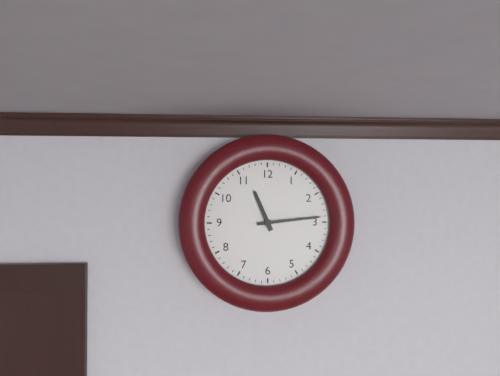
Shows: 11 h 14 min
